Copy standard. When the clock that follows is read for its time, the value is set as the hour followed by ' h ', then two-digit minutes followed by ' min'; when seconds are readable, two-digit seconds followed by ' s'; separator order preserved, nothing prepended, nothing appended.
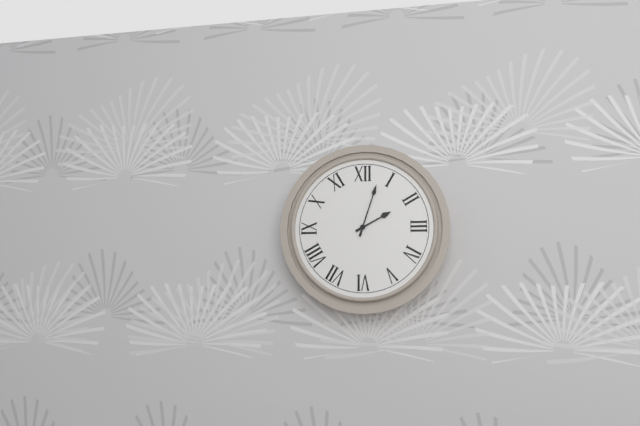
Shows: 2 h 03 min
